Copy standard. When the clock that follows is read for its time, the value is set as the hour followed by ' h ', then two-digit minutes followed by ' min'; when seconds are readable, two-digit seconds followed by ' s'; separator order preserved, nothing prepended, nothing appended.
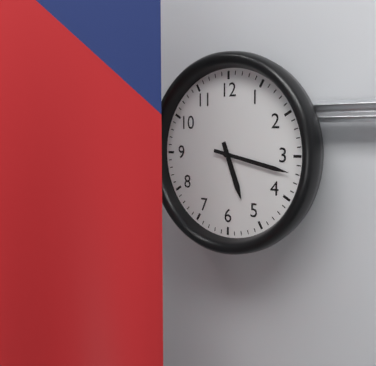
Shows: 5 h 17 min
